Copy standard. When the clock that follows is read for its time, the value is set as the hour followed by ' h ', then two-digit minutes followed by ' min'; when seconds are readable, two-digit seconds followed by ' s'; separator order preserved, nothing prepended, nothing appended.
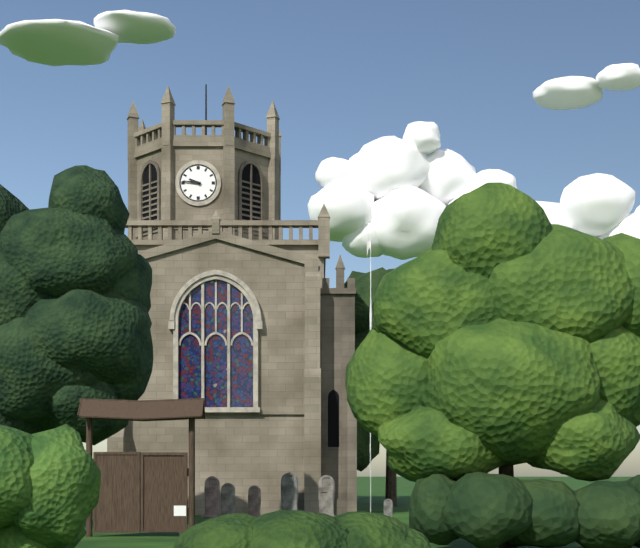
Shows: 9 h 46 min
